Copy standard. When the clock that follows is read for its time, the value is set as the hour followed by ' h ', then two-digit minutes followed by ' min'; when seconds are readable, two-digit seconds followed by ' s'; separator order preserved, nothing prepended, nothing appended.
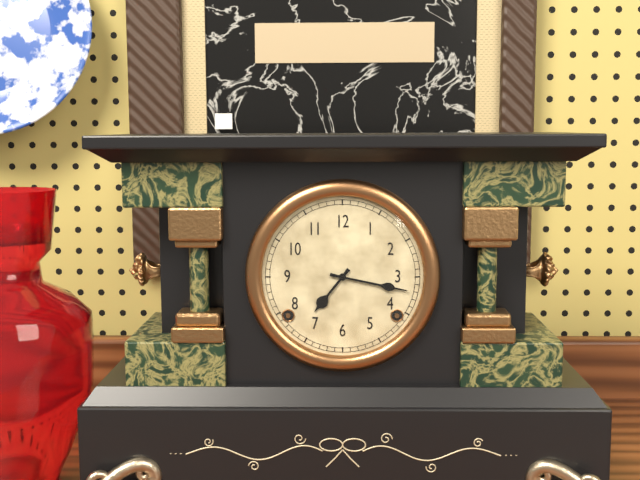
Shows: 7 h 17 min
